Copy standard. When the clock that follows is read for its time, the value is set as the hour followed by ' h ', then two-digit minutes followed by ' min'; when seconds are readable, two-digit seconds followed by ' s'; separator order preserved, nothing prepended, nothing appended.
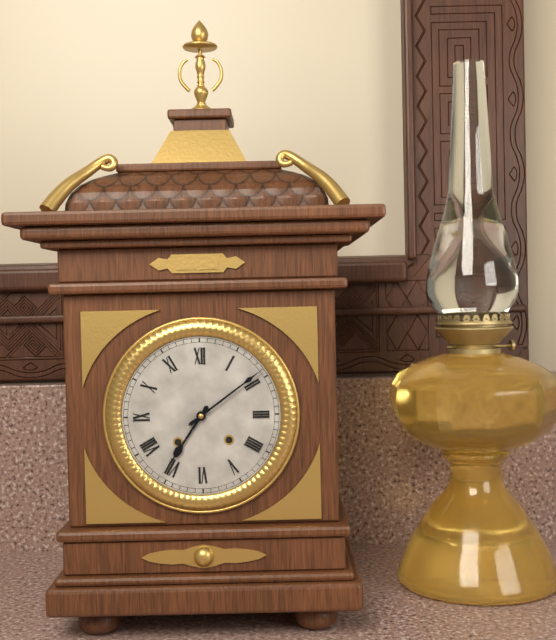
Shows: 7 h 09 min
